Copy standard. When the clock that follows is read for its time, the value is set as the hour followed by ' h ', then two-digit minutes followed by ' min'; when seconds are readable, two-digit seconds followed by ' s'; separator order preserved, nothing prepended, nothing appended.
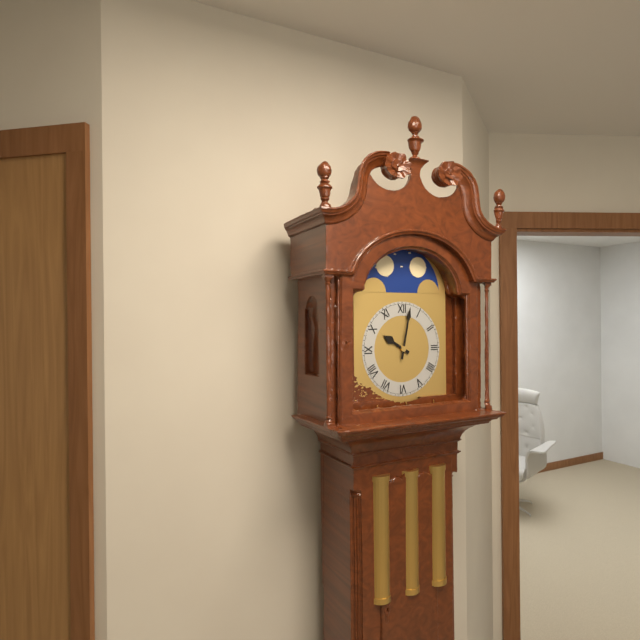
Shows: 10 h 02 min
